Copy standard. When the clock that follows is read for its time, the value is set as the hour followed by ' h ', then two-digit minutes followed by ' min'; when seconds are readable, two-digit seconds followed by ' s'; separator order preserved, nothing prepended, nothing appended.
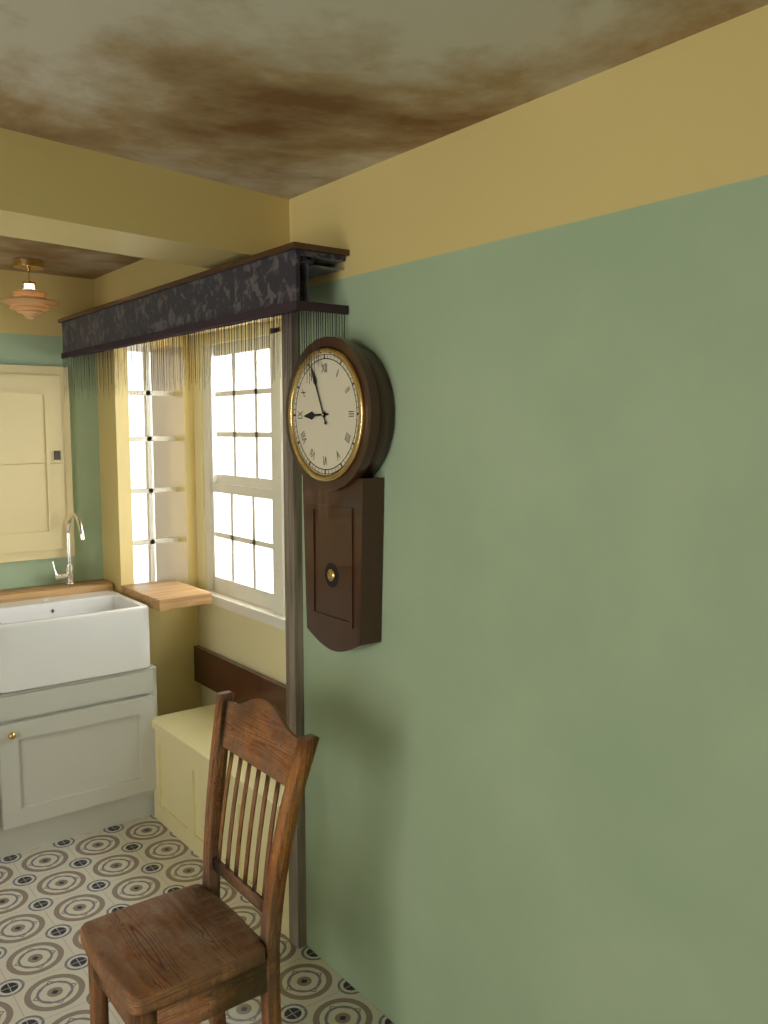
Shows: 8 h 56 min
